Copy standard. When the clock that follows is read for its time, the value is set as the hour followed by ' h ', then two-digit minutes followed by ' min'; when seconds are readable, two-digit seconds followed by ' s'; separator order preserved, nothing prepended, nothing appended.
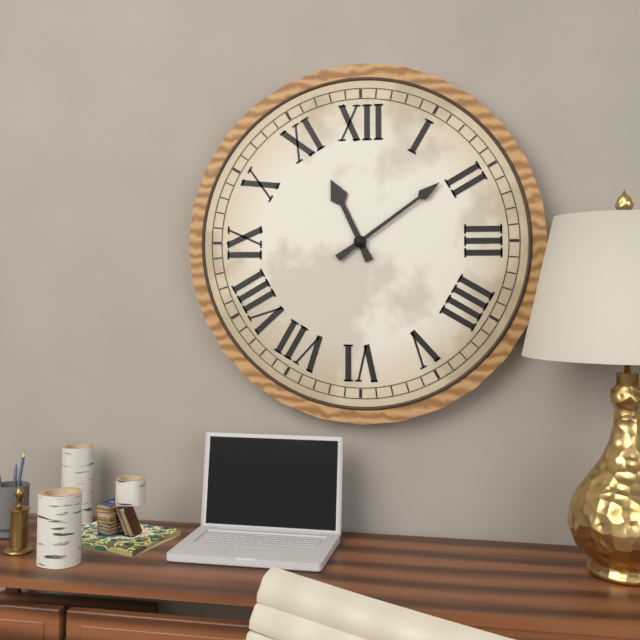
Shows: 11 h 09 min
